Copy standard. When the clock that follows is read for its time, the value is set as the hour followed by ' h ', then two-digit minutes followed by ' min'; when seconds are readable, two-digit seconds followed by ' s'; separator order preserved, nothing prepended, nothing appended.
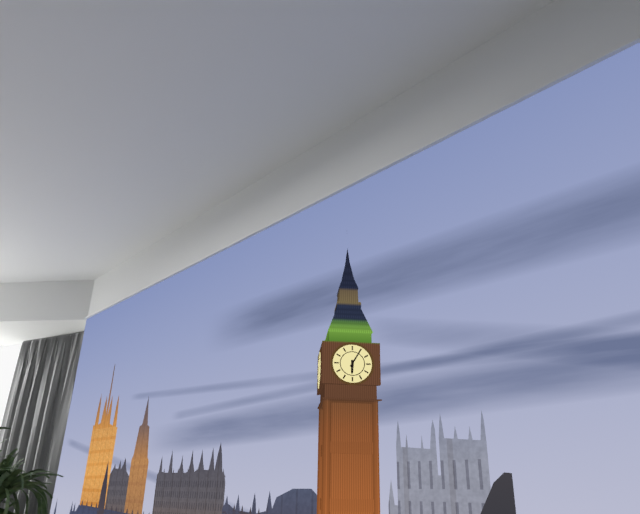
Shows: 6 h 05 min
